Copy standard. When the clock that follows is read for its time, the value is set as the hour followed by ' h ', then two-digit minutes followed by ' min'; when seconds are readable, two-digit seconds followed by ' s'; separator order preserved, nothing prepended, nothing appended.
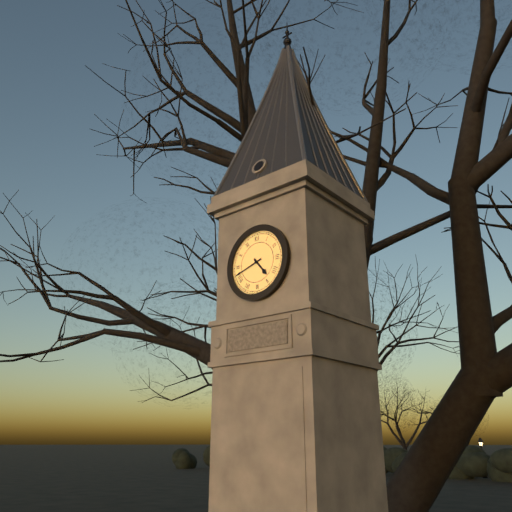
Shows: 4 h 42 min
